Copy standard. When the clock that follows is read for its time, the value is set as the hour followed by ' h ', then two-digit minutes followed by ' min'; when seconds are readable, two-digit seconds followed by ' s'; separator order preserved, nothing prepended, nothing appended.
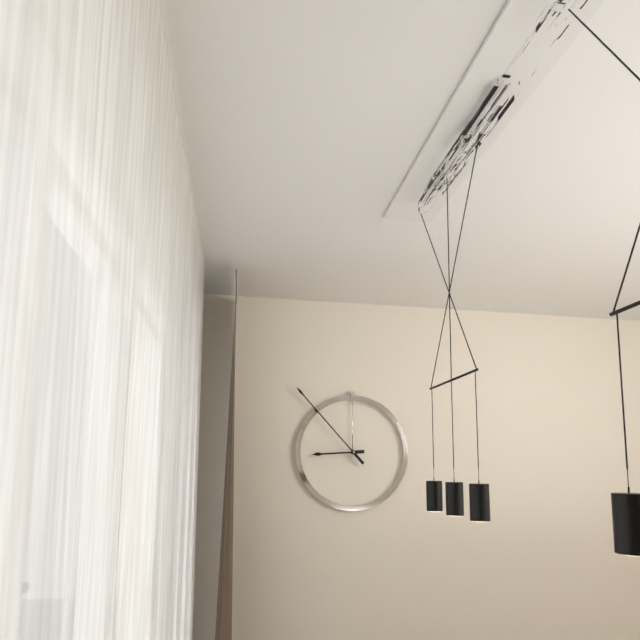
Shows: 8 h 53 min
